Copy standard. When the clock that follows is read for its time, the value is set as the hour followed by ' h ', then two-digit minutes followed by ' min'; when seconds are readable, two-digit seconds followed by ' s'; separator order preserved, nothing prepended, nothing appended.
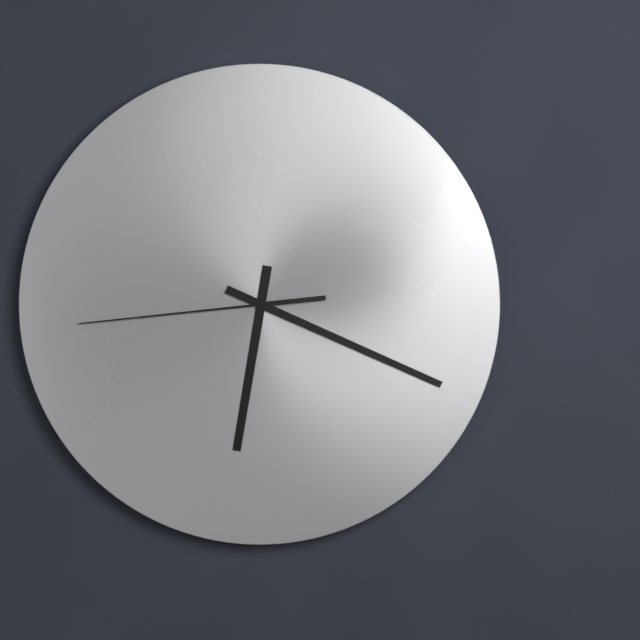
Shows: 6 h 19 min 44 s
